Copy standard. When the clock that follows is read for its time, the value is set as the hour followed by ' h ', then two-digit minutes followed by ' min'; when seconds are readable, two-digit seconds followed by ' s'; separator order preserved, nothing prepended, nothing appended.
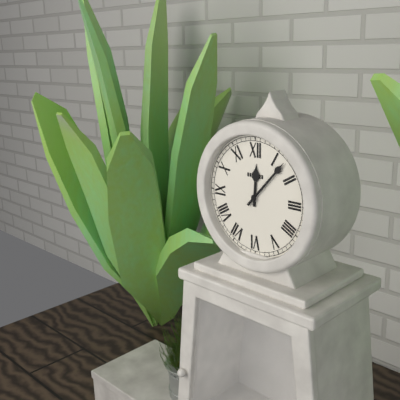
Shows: 12 h 07 min
